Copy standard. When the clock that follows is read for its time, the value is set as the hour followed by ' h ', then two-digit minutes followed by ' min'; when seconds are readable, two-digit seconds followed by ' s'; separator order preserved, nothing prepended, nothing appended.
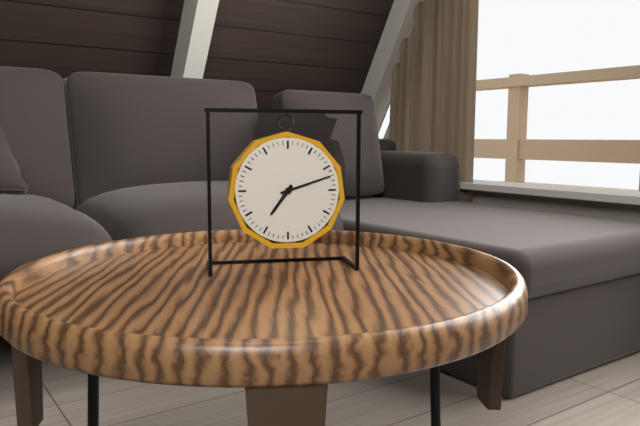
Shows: 7 h 12 min
